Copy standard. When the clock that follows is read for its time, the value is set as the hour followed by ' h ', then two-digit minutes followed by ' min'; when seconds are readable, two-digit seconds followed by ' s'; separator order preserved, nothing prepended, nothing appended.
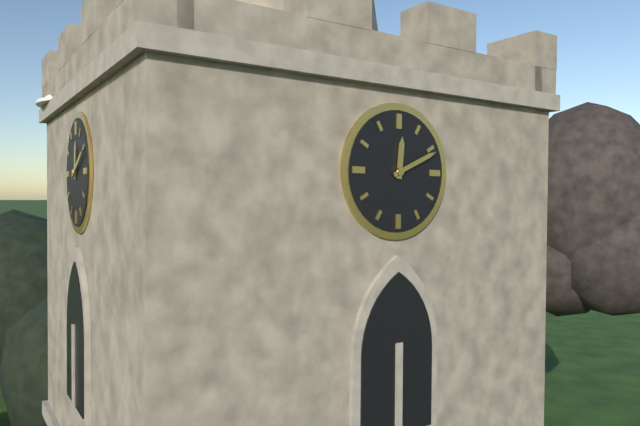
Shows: 12 h 11 min
